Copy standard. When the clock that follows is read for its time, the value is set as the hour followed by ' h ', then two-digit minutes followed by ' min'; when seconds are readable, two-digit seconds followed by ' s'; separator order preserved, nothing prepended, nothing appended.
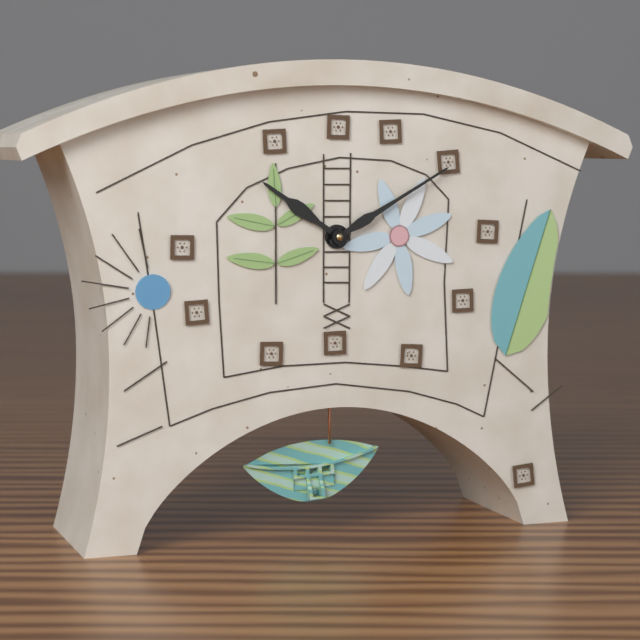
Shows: 10 h 10 min
